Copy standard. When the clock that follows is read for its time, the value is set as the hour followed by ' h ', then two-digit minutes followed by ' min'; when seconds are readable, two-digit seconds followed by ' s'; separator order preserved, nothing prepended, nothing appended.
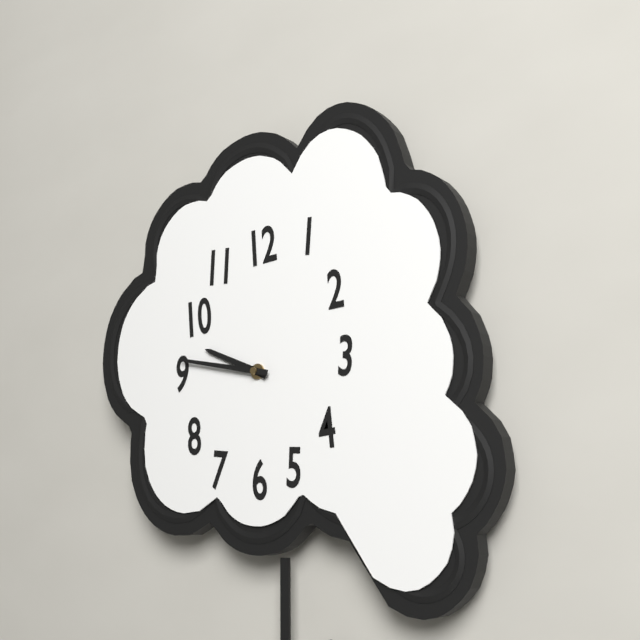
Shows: 9 h 47 min
